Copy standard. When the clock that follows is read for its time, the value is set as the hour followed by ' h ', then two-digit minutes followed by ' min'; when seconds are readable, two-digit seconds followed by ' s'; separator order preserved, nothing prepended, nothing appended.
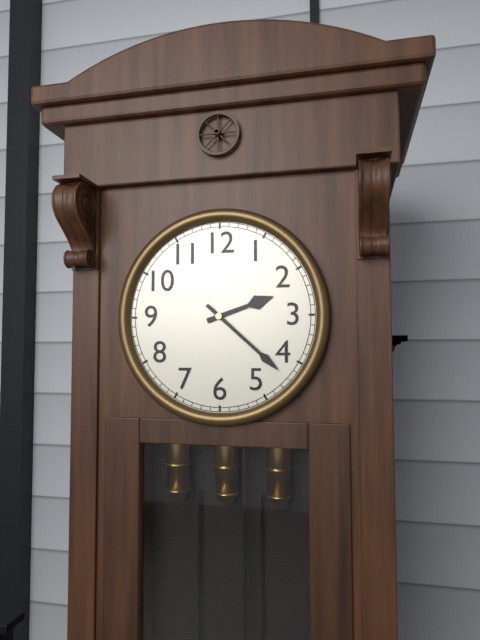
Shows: 2 h 22 min
